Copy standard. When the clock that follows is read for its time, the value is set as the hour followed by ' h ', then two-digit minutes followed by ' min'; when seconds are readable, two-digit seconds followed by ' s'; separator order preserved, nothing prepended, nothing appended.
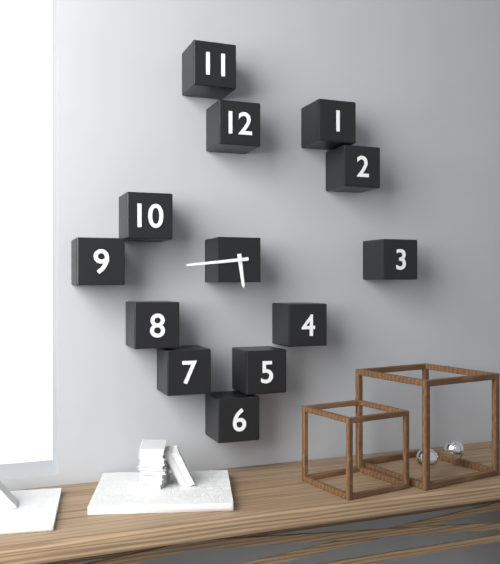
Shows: 5 h 44 min
